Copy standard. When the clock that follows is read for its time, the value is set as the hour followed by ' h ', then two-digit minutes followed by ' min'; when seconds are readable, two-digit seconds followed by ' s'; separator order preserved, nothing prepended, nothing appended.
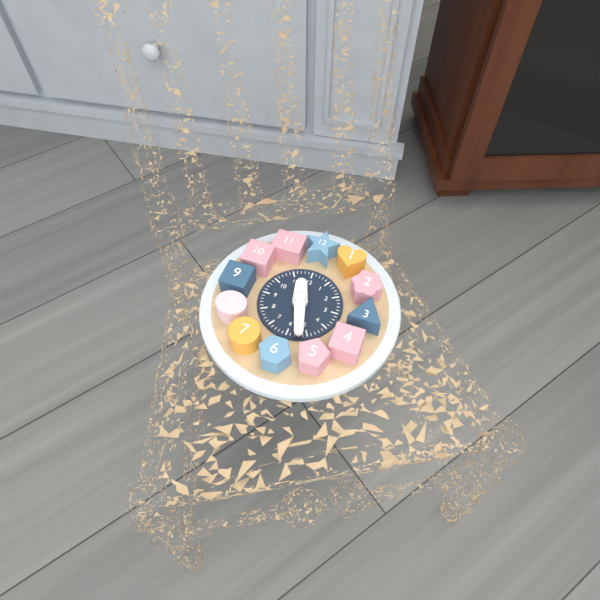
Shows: 11 h 27 min
